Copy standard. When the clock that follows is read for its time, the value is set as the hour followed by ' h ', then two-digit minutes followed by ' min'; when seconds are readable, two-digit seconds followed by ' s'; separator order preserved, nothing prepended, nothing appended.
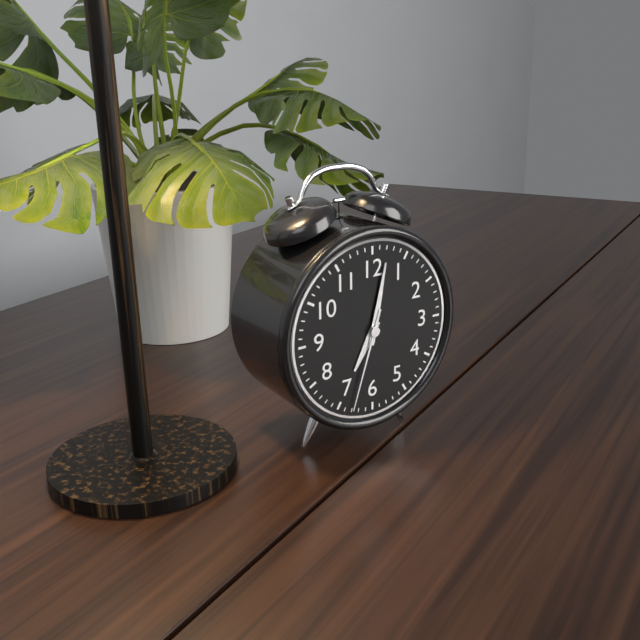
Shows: 7 h 02 min 33 s
